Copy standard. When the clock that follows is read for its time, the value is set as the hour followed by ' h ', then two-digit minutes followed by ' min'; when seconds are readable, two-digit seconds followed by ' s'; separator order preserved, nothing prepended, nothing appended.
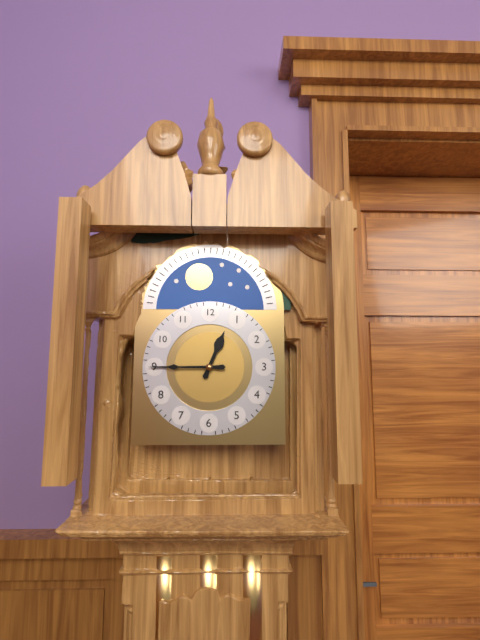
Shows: 12 h 45 min
